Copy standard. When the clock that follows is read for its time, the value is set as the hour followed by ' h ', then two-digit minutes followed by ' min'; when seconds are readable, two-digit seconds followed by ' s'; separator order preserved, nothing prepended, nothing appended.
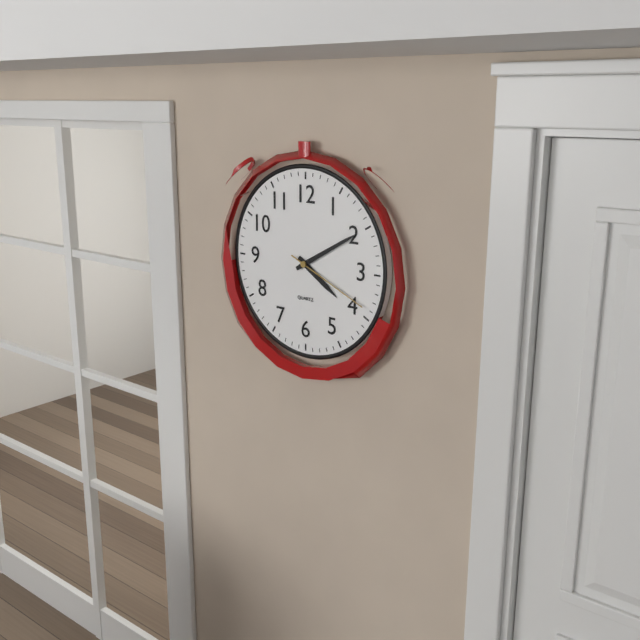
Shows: 4 h 10 min 19 s
